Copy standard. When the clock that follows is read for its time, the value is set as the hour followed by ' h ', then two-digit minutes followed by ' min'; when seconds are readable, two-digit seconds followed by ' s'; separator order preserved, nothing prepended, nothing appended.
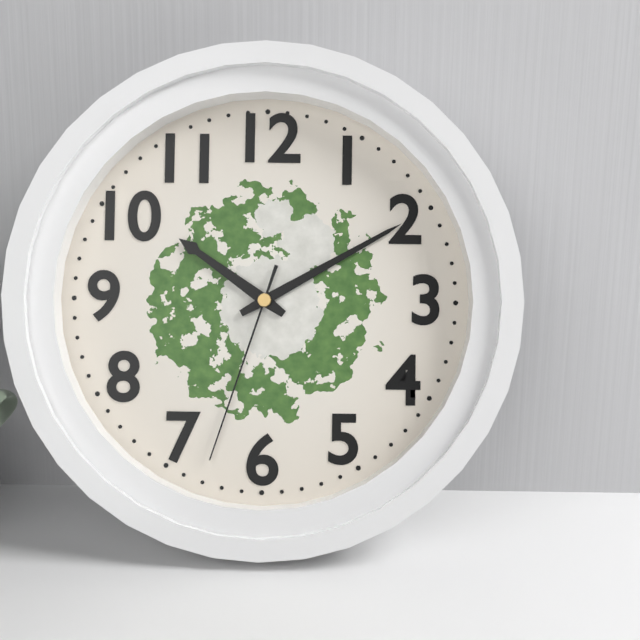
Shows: 10 h 10 min 33 s
